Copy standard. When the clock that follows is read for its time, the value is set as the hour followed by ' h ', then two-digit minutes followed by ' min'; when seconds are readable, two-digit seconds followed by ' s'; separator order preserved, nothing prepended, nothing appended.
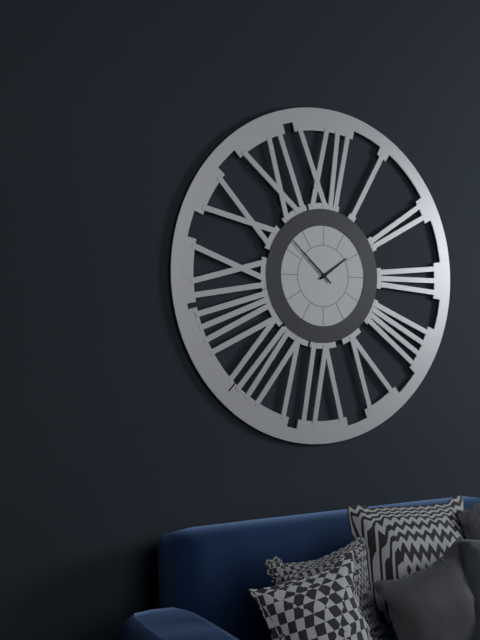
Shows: 1 h 52 min
